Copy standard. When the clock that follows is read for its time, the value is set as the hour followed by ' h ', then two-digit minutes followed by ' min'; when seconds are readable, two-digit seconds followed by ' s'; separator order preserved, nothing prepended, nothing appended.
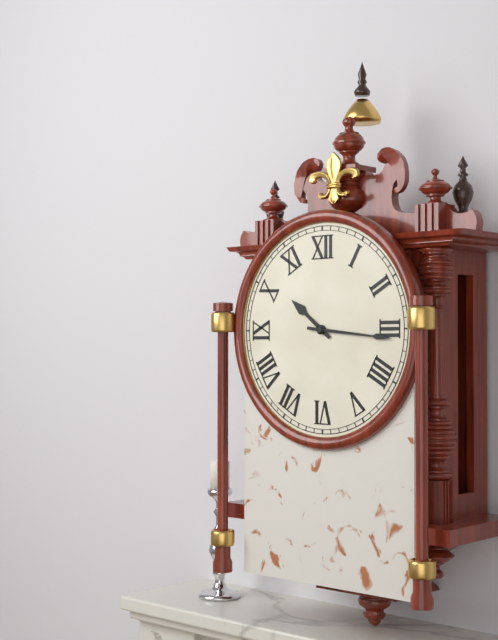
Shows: 10 h 16 min
